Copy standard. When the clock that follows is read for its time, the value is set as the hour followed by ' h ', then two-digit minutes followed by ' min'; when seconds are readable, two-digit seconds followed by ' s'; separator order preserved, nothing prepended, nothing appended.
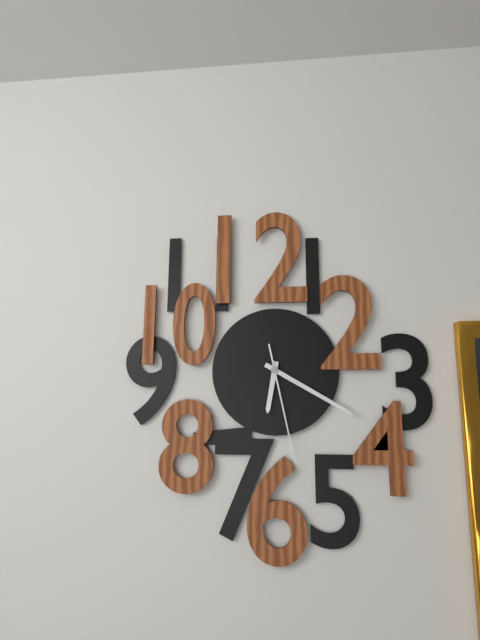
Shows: 6 h 20 min 28 s
